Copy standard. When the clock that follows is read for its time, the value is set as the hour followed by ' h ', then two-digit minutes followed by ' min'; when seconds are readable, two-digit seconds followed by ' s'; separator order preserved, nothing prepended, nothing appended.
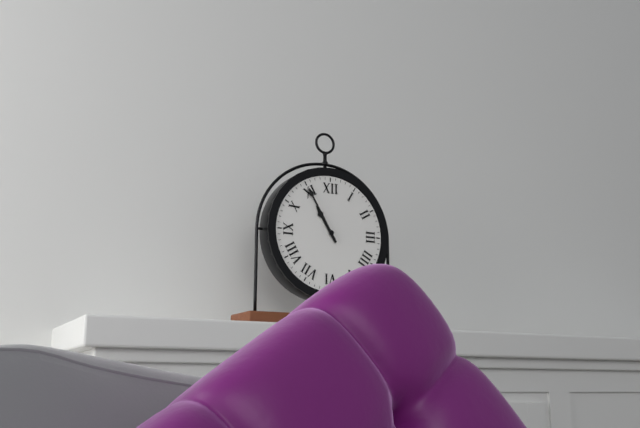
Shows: 10 h 55 min
